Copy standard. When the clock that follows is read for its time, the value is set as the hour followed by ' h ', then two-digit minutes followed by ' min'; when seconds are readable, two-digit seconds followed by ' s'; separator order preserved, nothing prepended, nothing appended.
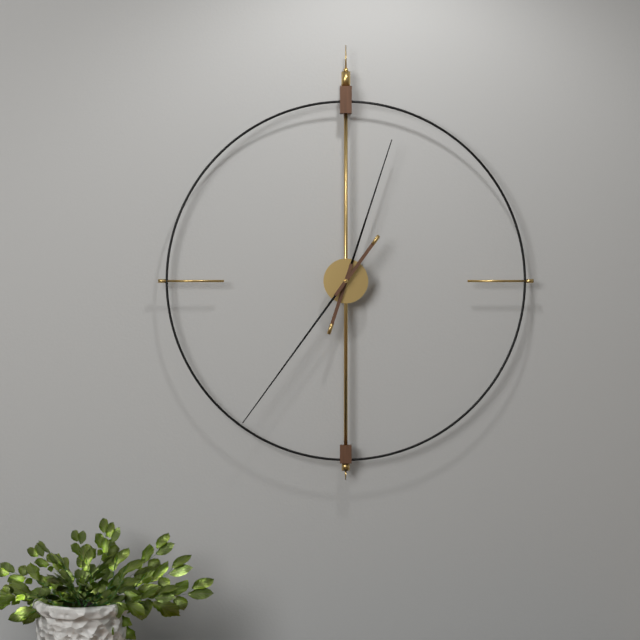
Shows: 12 h 36 min
